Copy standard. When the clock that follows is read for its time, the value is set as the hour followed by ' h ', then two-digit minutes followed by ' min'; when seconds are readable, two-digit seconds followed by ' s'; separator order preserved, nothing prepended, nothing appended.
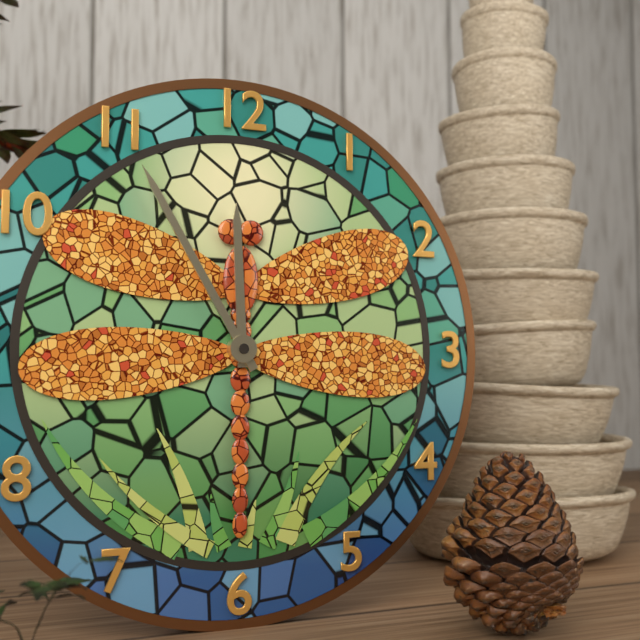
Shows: 11 h 55 min
